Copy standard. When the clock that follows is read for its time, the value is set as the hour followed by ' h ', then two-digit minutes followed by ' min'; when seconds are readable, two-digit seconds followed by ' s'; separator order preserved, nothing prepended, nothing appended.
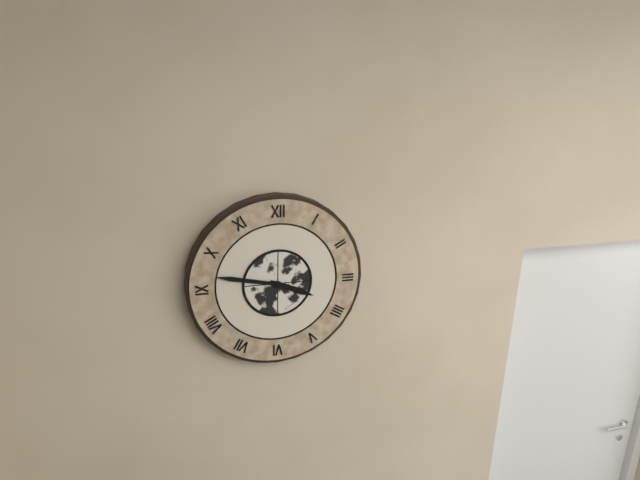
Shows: 3 h 47 min
